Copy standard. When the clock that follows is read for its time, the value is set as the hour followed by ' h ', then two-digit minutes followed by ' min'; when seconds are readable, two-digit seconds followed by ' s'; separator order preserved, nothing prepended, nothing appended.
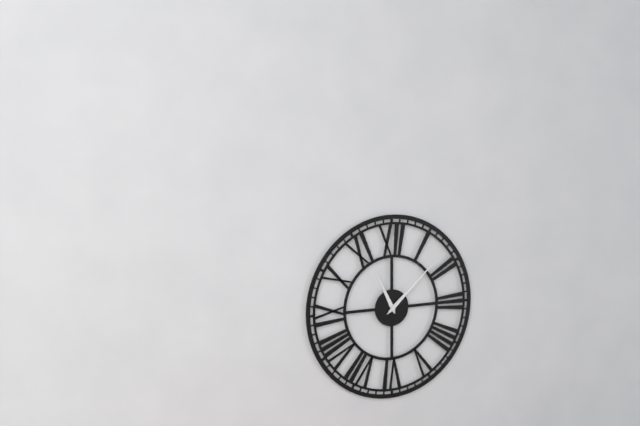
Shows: 11 h 08 min
